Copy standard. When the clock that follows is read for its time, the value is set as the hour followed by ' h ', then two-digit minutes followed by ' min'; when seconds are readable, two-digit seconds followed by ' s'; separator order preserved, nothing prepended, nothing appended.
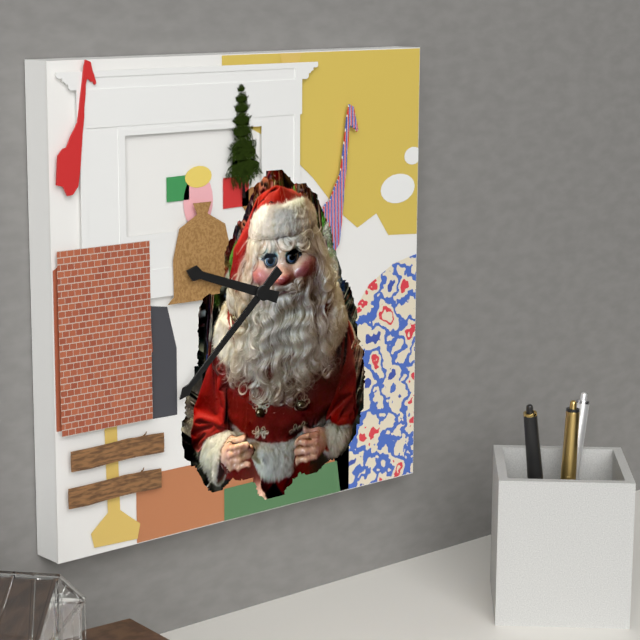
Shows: 9 h 38 min
